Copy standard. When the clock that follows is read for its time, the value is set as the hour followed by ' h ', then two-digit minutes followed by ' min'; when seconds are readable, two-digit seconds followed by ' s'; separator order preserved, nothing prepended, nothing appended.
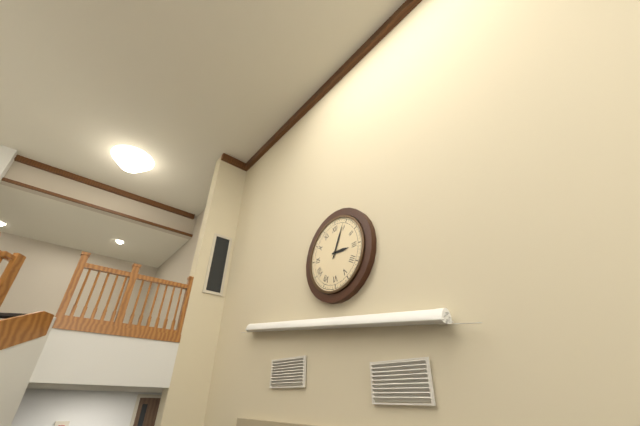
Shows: 3 h 04 min
